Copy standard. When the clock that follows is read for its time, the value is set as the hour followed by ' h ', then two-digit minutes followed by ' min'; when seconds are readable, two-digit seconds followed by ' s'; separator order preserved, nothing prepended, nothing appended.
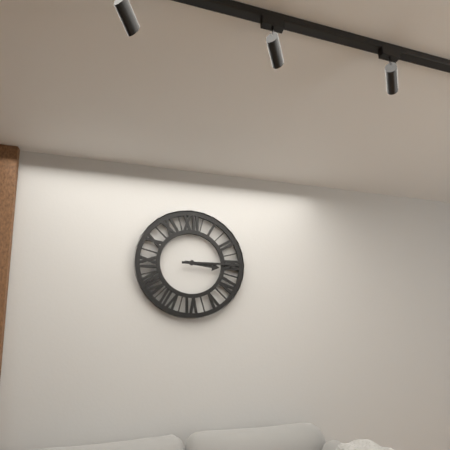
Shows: 3 h 15 min
